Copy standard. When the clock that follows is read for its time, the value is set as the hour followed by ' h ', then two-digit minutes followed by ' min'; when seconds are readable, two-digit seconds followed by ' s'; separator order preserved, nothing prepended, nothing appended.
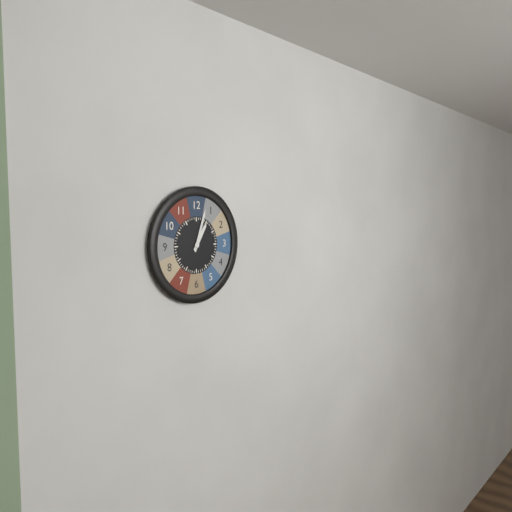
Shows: 1 h 03 min
